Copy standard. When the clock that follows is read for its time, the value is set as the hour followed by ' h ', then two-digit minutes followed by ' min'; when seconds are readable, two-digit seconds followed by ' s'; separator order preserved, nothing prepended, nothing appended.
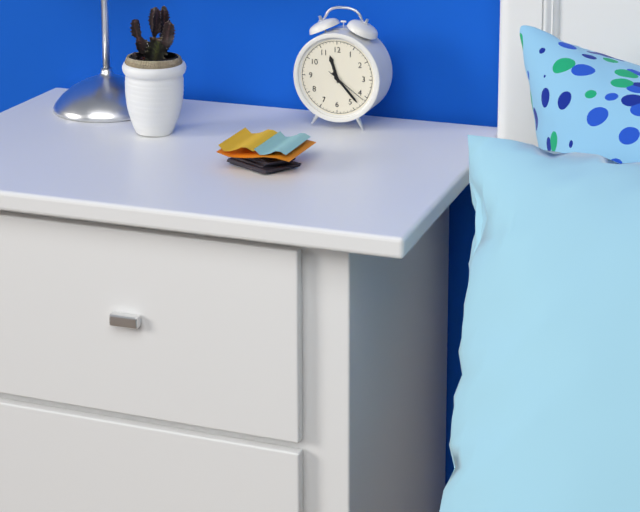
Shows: 11 h 23 min
